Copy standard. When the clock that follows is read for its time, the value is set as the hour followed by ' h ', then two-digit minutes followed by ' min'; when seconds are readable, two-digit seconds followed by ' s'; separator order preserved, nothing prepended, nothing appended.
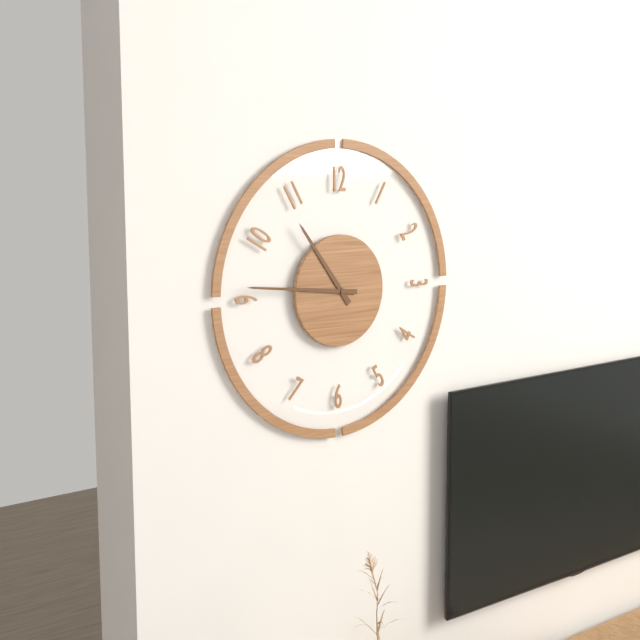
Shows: 10 h 46 min
